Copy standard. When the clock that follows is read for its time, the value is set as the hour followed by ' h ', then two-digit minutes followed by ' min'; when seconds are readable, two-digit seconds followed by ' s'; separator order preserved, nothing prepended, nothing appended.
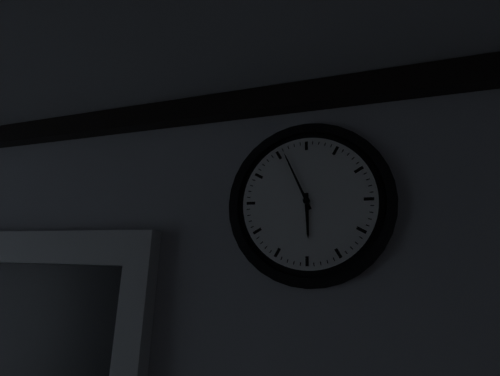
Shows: 5 h 56 min
